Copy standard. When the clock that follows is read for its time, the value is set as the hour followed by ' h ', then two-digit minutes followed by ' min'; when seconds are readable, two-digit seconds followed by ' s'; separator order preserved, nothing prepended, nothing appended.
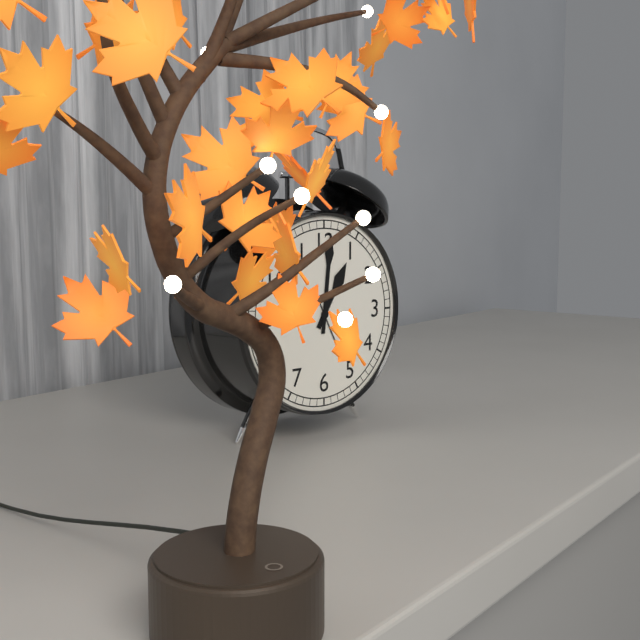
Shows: 1 h 01 min
